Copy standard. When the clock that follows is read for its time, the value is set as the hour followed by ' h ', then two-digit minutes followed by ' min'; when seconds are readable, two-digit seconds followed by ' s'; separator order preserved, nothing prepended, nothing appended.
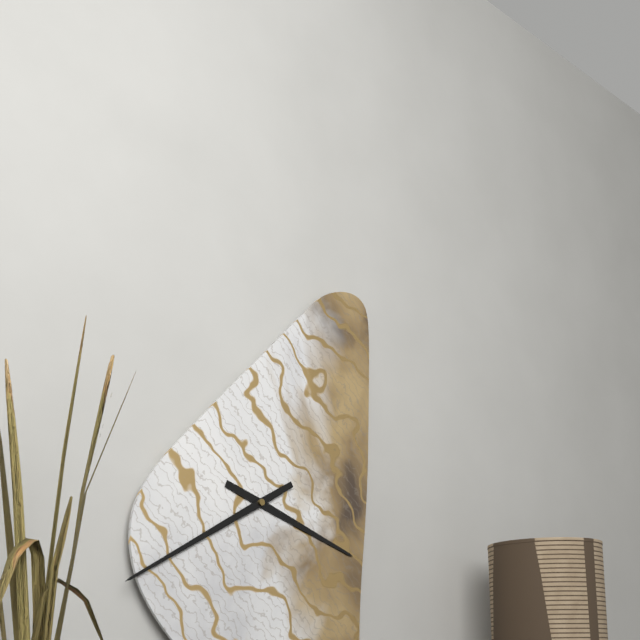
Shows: 3 h 40 min
